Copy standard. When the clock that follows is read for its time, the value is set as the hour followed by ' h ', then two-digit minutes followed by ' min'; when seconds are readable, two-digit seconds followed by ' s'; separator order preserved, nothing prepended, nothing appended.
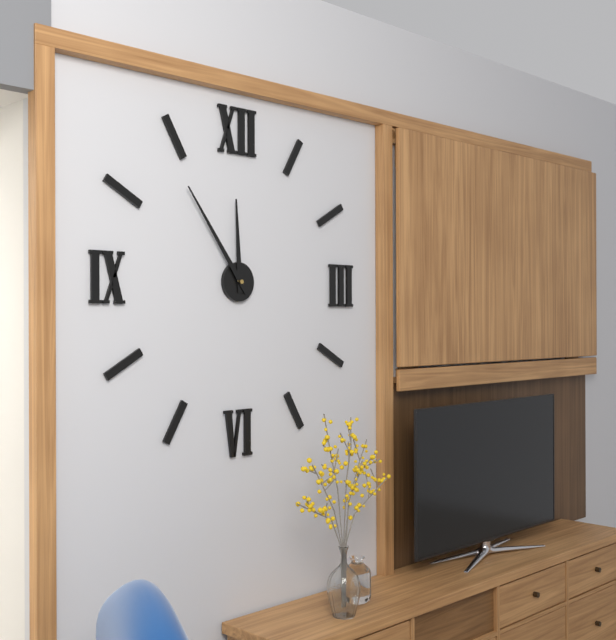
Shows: 11 h 54 min
